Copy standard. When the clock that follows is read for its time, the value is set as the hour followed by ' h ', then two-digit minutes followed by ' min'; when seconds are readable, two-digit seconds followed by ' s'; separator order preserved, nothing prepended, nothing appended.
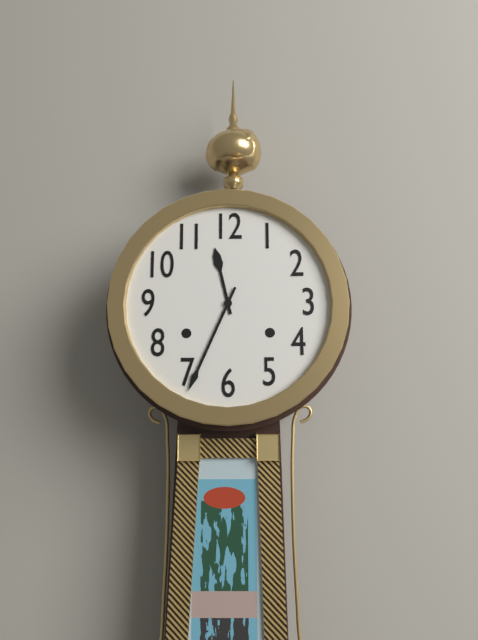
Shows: 11 h 34 min
